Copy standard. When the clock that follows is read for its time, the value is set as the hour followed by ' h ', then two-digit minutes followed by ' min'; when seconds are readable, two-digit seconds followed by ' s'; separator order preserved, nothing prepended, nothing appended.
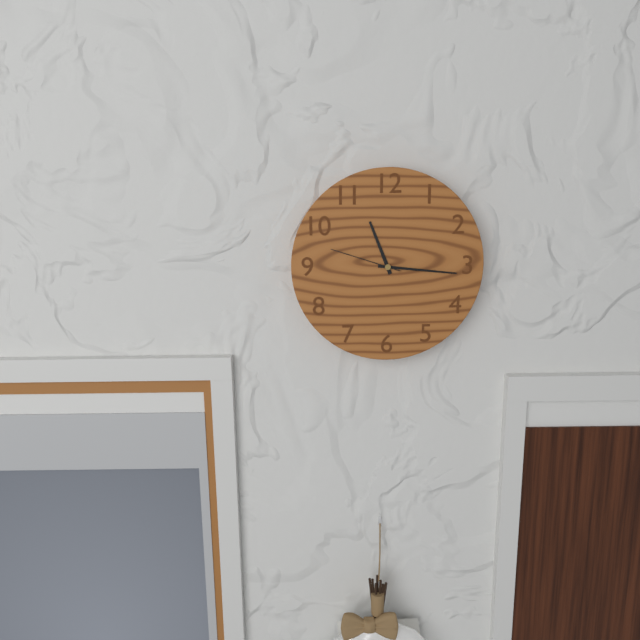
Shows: 11 h 16 min 48 s
